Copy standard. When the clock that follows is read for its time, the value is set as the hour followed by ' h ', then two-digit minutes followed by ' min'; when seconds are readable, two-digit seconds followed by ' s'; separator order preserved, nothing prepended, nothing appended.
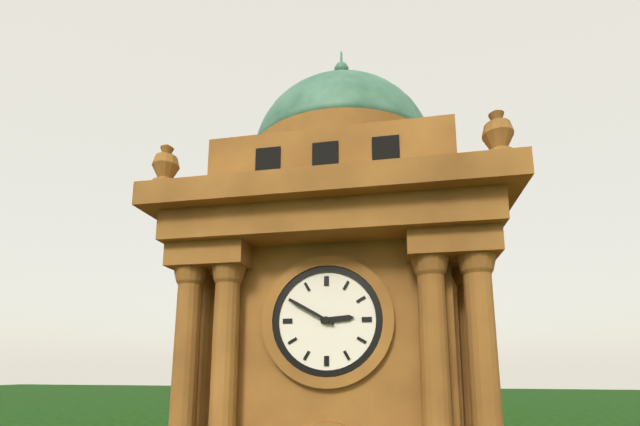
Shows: 2 h 50 min
